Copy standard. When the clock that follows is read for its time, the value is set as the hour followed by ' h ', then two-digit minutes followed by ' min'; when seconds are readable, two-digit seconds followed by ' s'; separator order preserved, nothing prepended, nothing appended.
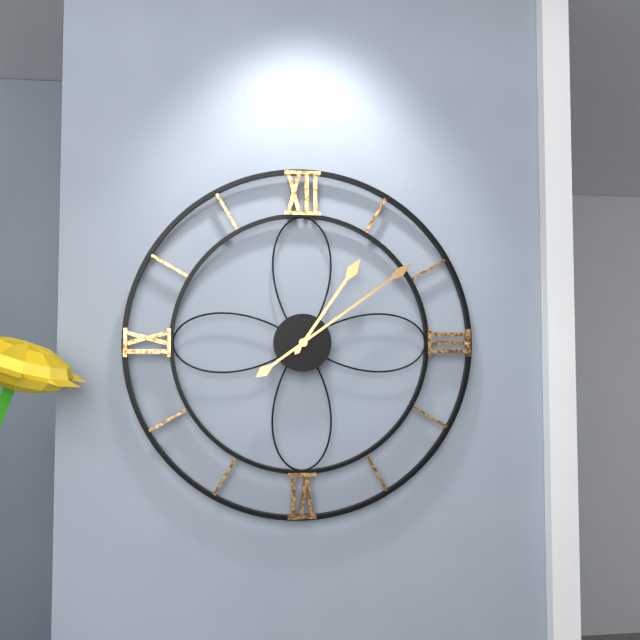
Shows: 1 h 09 min
